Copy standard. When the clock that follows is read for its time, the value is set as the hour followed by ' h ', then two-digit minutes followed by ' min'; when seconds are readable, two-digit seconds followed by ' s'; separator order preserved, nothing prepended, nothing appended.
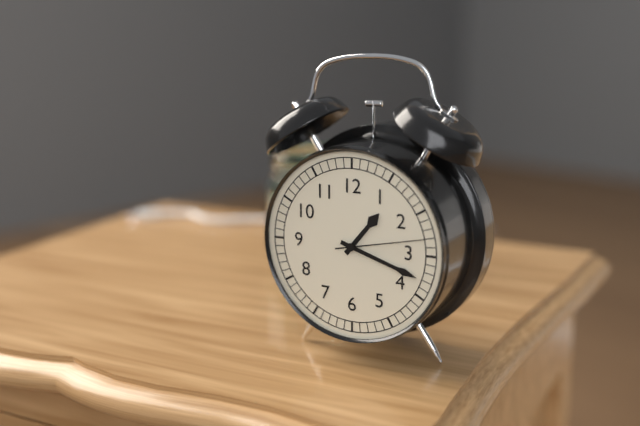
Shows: 1 h 18 min 13 s
